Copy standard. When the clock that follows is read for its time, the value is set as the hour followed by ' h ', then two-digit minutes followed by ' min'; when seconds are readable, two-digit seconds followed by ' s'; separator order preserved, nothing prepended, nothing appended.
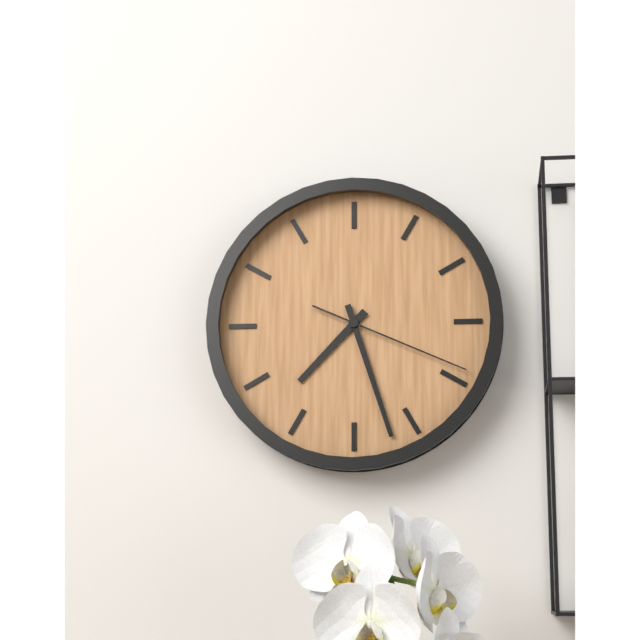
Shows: 7 h 27 min 19 s
